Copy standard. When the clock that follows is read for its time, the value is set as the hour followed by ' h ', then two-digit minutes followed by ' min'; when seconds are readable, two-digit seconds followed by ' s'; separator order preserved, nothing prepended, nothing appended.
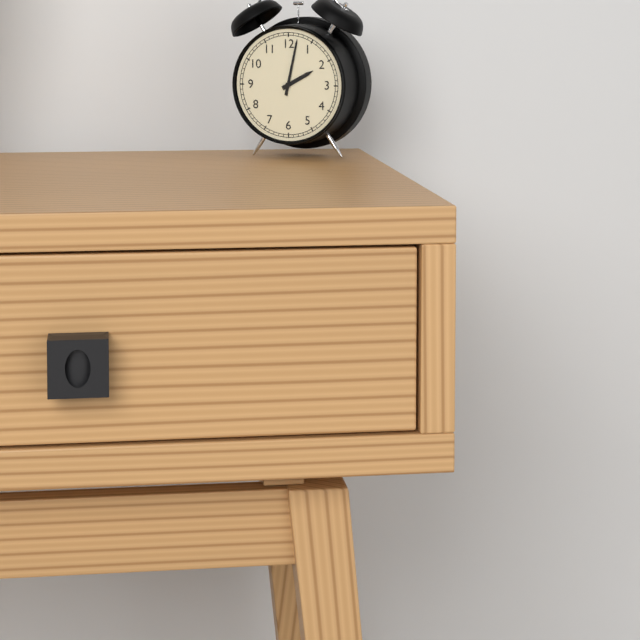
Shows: 2 h 02 min
